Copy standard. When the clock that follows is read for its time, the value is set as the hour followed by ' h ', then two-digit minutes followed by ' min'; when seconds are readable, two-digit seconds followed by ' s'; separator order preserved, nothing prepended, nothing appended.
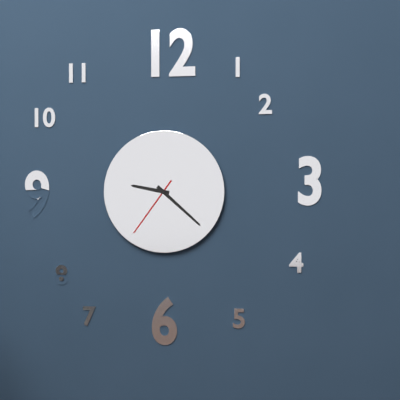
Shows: 9 h 22 min 36 s
